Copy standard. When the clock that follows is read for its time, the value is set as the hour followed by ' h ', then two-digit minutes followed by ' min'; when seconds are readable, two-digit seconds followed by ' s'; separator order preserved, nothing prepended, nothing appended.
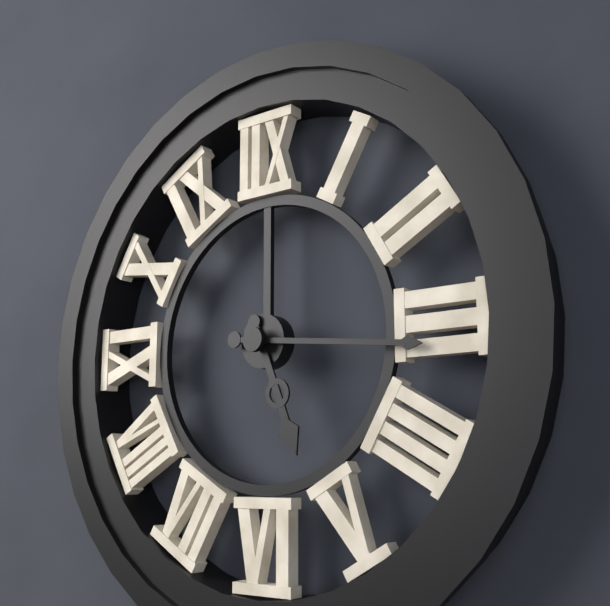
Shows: 5 h 16 min
